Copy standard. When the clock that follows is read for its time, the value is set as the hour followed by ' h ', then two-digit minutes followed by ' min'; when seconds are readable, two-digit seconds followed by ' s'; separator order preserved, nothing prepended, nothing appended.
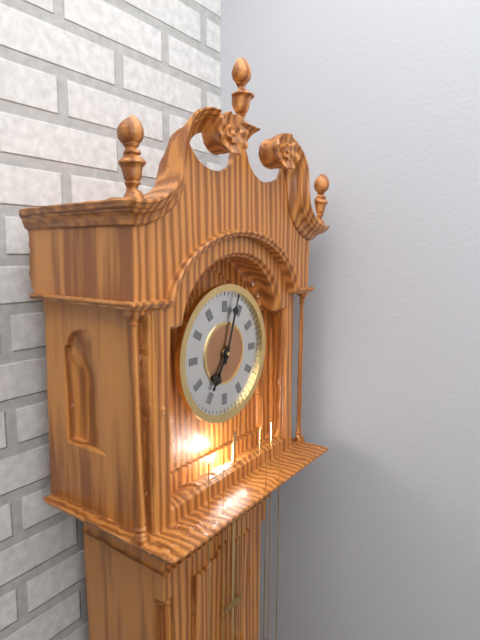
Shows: 7 h 03 min
